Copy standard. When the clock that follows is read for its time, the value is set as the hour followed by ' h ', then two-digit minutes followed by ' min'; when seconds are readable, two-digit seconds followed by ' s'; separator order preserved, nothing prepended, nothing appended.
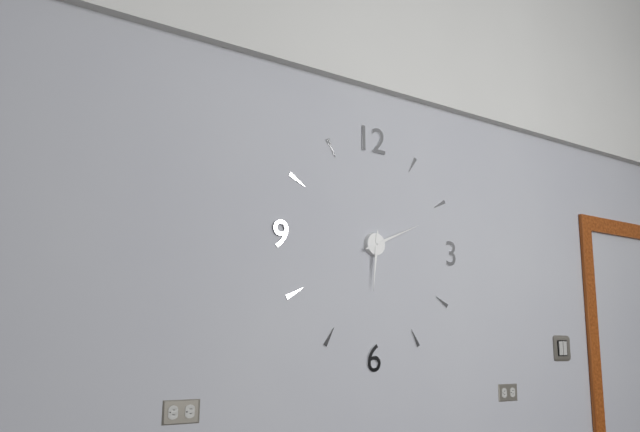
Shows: 6 h 11 min
